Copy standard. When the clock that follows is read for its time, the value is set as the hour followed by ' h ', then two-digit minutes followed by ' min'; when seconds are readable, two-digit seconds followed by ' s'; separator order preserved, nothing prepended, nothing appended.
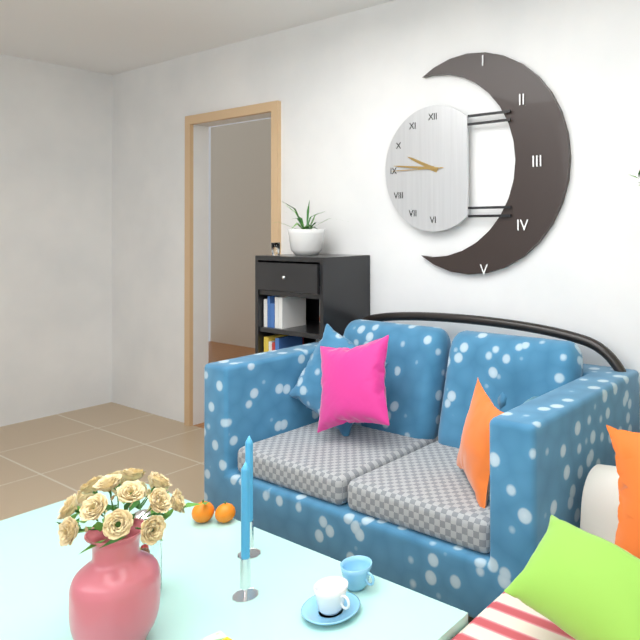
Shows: 9 h 46 min 45 s
